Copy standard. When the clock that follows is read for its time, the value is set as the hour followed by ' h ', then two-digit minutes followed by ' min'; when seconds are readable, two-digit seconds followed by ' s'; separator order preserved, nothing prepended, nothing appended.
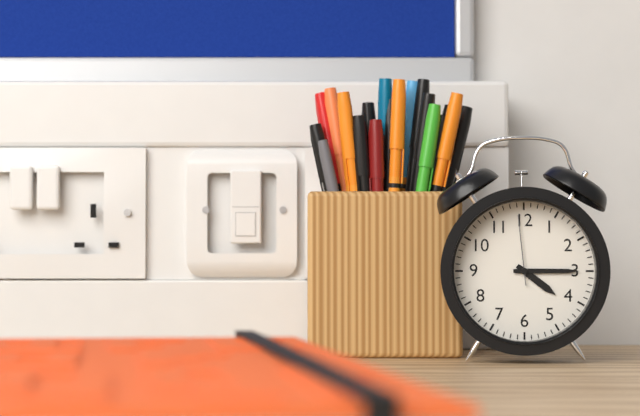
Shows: 4 h 15 min 59 s
